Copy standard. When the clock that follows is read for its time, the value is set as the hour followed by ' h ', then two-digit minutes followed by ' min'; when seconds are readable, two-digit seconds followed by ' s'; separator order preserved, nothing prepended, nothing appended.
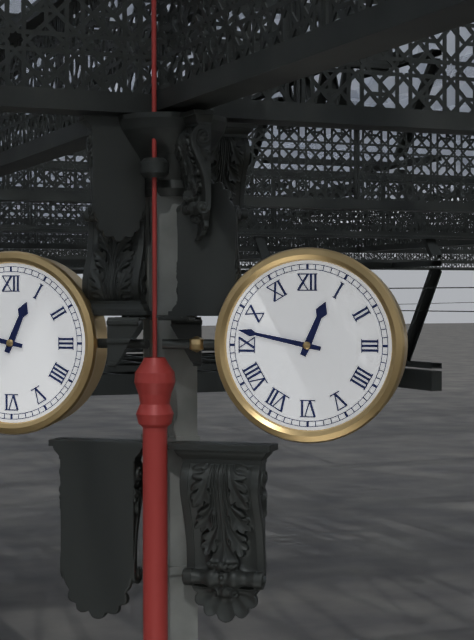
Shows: 12 h 47 min
